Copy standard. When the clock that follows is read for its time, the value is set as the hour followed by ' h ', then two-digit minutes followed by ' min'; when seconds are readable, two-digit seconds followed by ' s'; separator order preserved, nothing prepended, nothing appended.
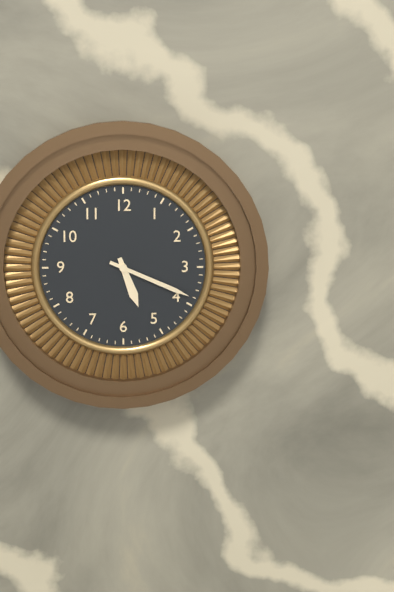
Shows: 5 h 19 min
